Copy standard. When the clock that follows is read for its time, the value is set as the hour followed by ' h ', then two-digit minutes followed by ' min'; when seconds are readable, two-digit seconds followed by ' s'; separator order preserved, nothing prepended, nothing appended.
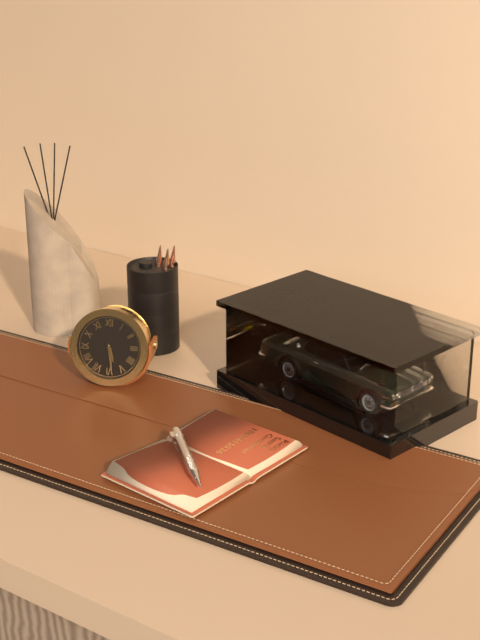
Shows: 5 h 29 min
